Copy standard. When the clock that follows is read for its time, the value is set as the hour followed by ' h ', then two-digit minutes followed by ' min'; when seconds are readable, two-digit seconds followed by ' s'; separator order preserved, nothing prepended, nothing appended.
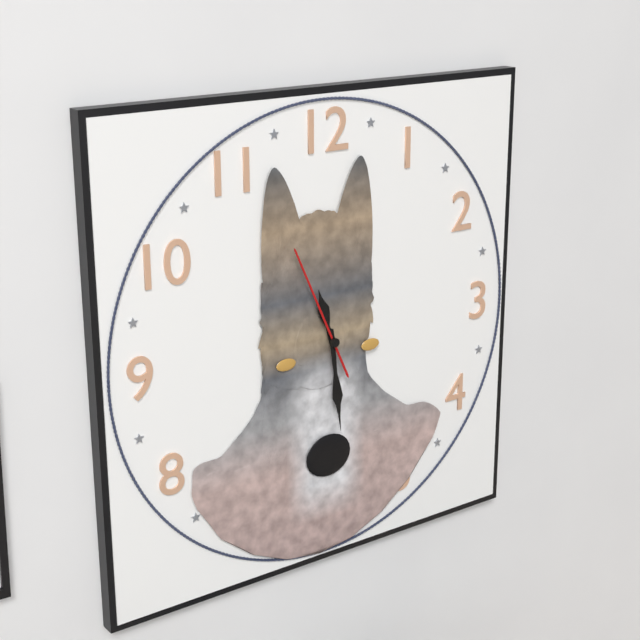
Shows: 11 h 29 min 56 s
